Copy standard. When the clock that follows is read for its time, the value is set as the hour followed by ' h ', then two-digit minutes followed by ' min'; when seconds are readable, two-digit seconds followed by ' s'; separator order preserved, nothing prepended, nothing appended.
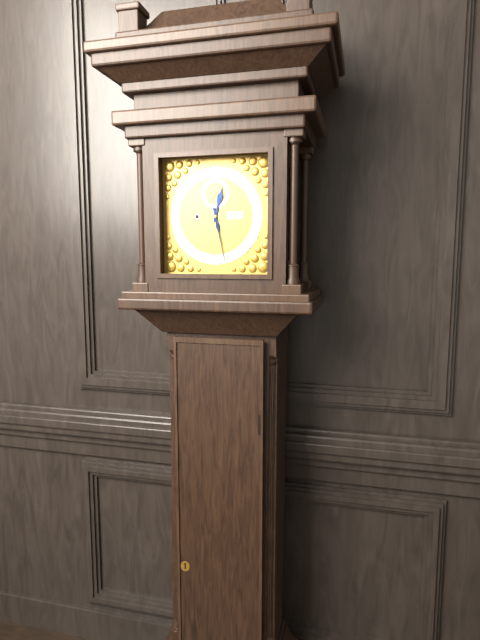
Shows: 12 h 28 min
